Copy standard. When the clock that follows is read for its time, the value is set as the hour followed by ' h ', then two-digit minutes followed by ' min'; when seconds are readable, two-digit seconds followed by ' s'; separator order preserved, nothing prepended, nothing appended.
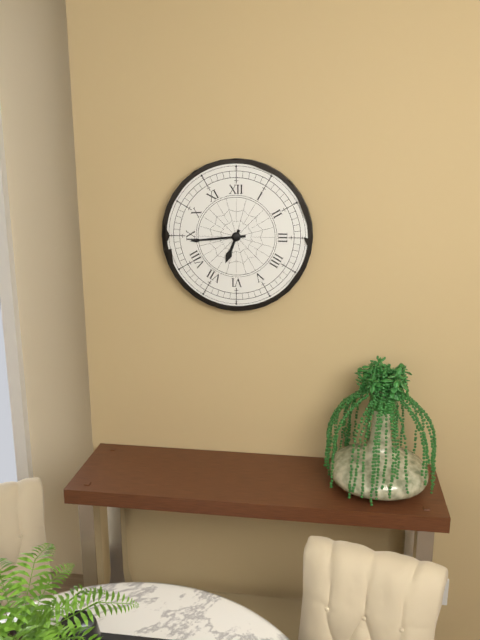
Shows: 6 h 44 min
